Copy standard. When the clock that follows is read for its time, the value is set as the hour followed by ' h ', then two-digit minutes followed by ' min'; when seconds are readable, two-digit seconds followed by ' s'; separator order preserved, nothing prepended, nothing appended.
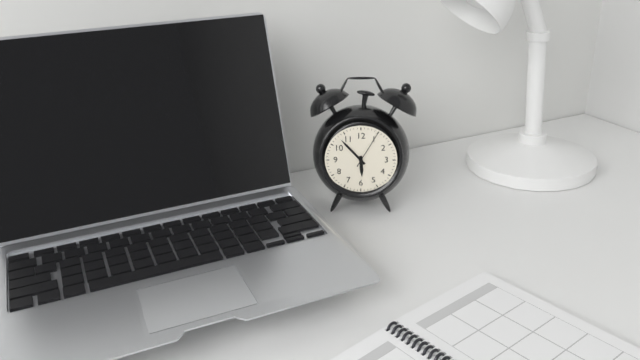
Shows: 5 h 53 min
